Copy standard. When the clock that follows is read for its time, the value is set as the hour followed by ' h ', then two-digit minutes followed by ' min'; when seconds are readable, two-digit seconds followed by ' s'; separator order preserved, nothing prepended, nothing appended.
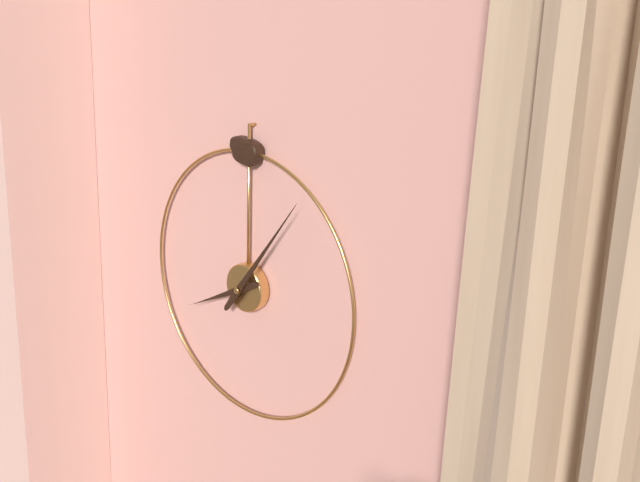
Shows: 8 h 06 min
